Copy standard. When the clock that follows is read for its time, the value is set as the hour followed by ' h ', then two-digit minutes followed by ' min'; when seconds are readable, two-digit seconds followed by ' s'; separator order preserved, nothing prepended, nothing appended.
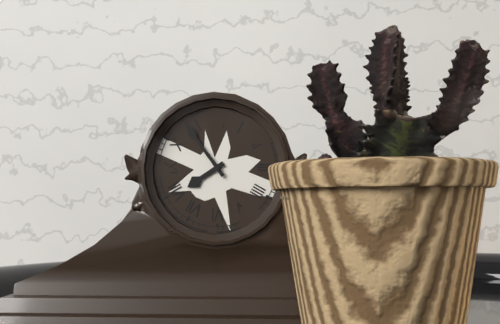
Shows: 7 h 54 min
